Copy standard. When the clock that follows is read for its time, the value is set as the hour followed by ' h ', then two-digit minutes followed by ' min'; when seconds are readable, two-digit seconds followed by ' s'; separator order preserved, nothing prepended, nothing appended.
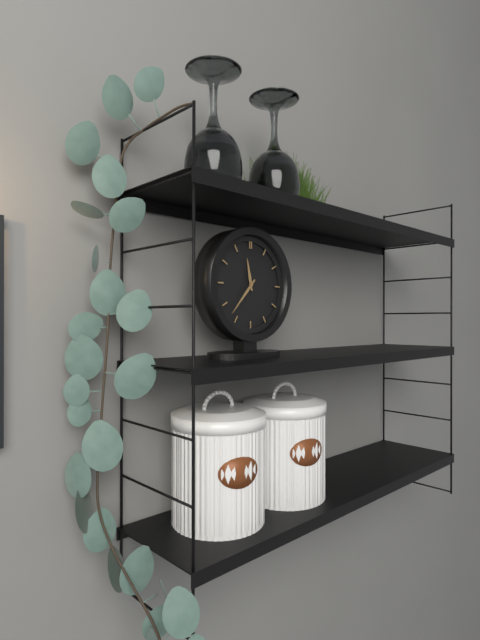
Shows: 11 h 37 min
